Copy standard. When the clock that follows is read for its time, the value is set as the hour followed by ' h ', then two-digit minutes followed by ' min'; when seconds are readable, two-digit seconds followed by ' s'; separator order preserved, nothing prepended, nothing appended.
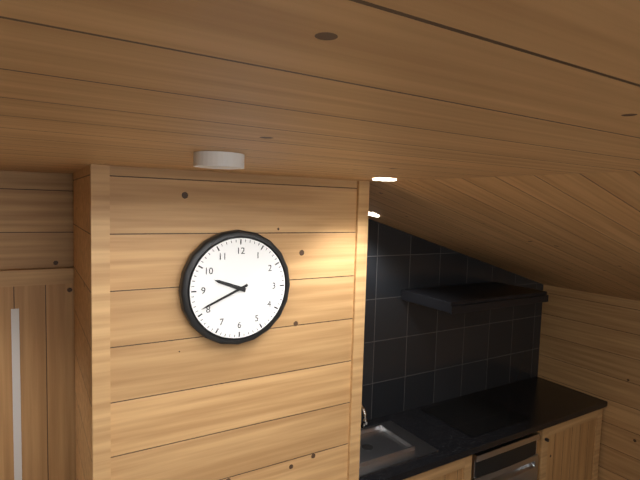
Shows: 9 h 41 min
